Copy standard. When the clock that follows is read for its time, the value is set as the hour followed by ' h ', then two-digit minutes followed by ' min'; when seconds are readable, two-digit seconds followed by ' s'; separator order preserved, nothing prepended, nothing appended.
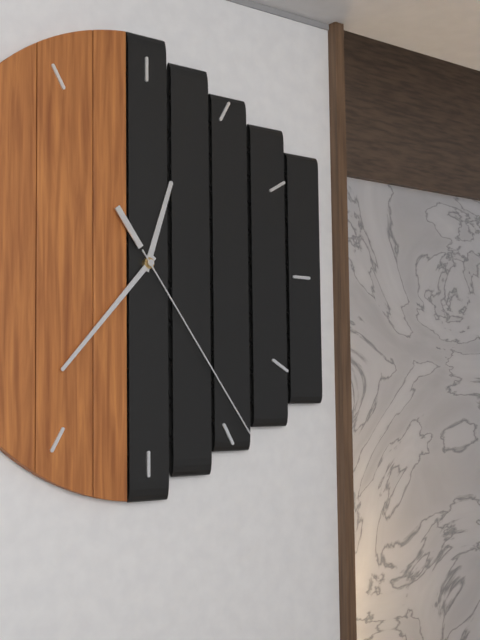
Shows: 12 h 37 min 24 s
